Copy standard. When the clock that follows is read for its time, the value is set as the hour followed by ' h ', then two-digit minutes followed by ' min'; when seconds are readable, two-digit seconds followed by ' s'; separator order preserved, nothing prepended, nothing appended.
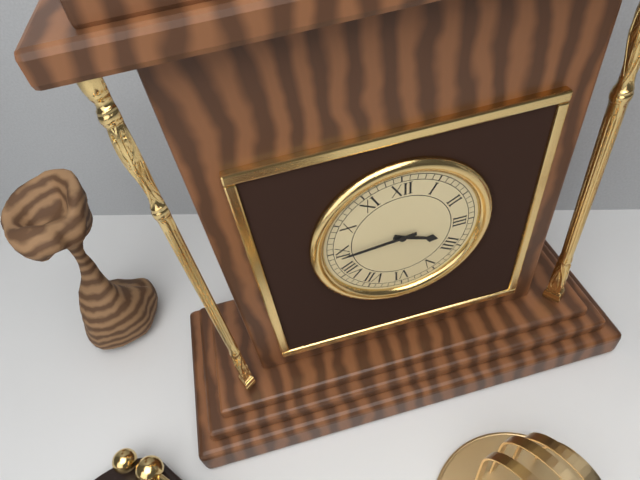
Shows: 3 h 44 min
